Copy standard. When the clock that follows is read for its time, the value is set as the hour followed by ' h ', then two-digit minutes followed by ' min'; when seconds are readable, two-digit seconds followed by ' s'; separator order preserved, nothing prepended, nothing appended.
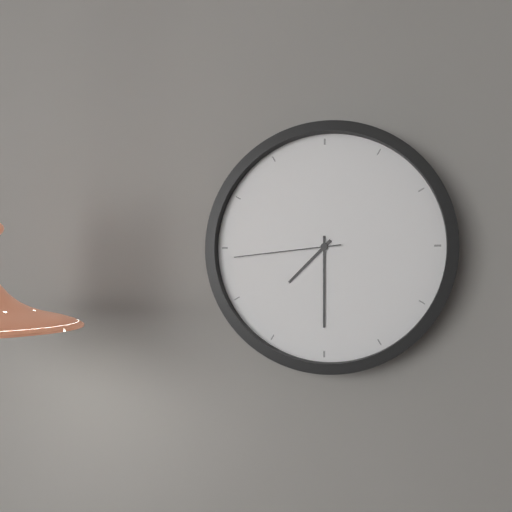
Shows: 7 h 30 min 44 s
